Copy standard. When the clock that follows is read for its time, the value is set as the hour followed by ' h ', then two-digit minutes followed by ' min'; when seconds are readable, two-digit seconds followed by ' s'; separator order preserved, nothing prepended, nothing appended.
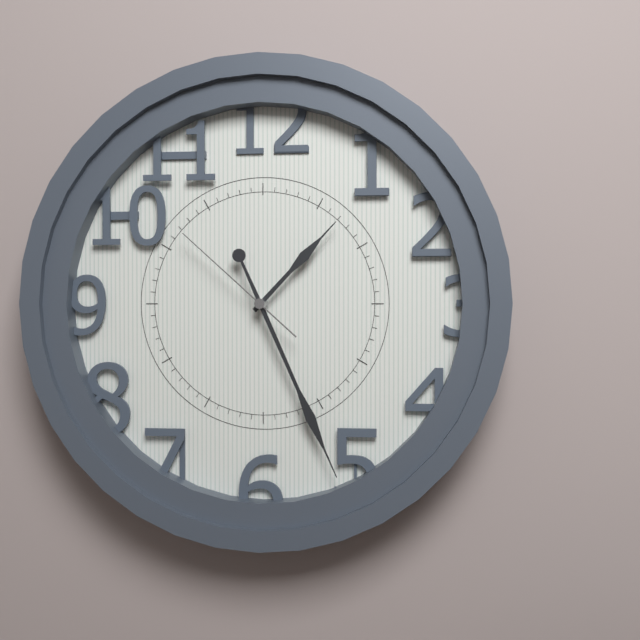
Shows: 1 h 26 min 52 s
